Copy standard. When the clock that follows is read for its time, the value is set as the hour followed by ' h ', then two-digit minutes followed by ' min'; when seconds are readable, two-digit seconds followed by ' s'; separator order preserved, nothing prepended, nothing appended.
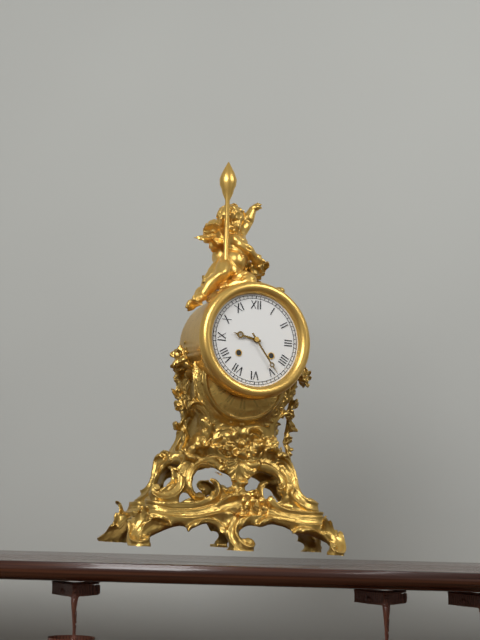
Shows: 9 h 24 min
